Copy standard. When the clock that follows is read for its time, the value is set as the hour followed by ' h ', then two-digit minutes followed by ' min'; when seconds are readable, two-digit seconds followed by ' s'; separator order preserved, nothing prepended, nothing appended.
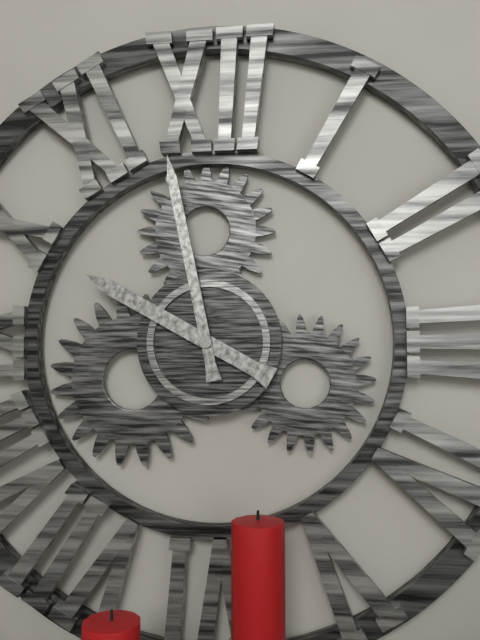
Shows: 9 h 58 min
